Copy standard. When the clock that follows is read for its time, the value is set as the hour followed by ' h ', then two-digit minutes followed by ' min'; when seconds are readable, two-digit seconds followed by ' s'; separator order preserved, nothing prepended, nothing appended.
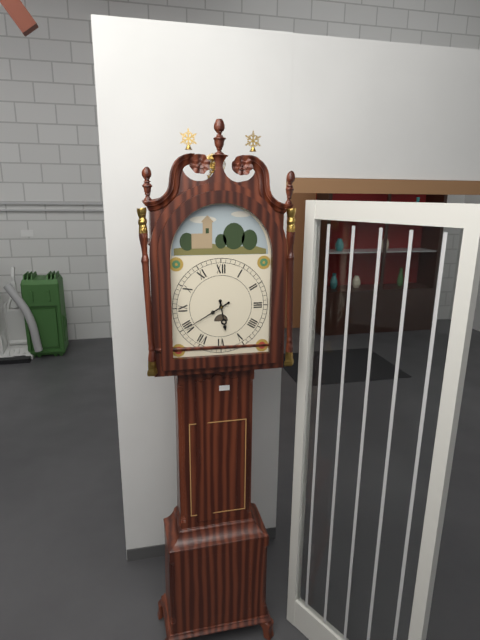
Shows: 5 h 40 min
